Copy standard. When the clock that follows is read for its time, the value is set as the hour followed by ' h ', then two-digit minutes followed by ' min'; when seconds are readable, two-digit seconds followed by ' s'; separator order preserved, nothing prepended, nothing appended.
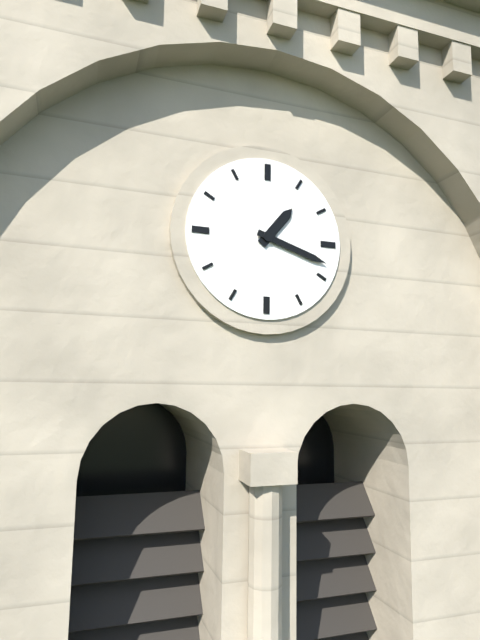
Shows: 1 h 18 min
